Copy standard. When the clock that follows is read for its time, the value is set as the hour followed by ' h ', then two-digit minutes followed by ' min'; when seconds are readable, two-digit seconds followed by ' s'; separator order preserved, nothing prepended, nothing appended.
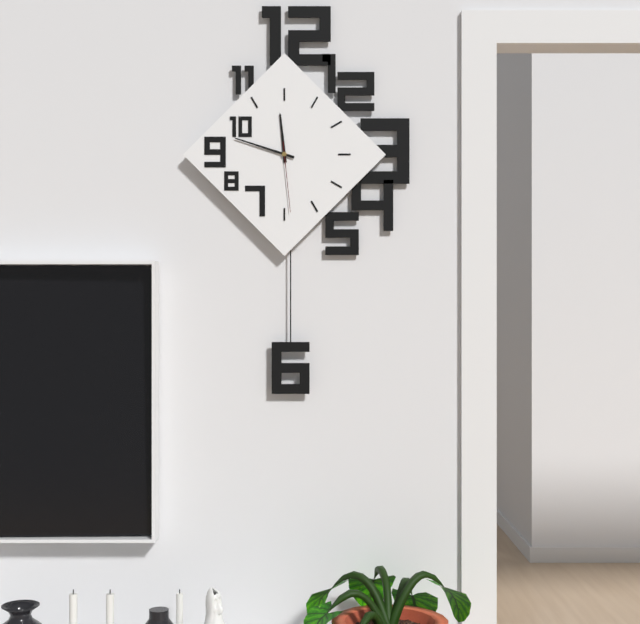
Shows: 11 h 48 min 29 s
